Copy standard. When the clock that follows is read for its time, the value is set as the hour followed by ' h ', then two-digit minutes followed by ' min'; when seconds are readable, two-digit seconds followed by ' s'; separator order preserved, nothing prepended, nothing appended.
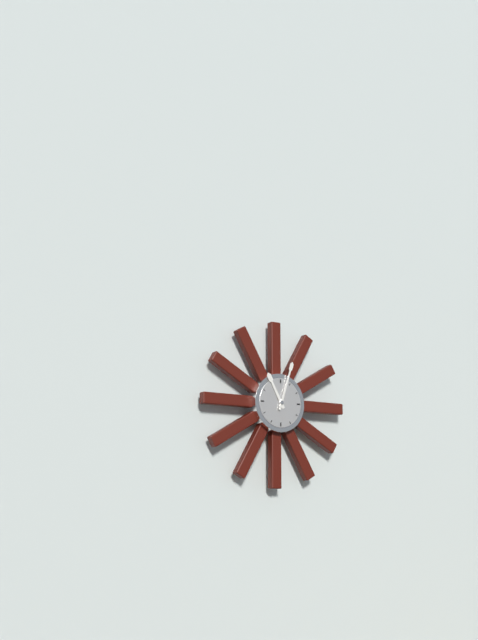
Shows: 11 h 03 min
